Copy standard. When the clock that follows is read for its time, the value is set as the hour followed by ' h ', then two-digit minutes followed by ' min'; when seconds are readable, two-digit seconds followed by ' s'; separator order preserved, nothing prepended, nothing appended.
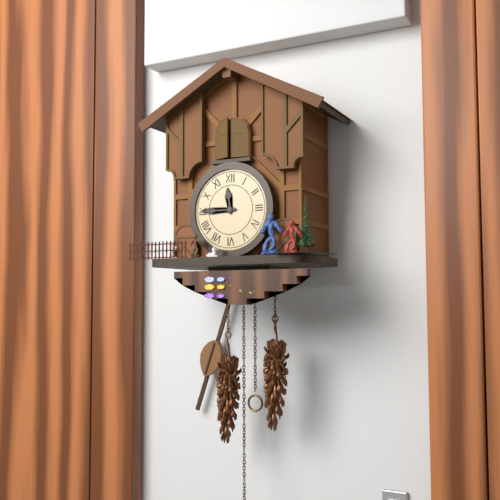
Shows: 11 h 45 min
